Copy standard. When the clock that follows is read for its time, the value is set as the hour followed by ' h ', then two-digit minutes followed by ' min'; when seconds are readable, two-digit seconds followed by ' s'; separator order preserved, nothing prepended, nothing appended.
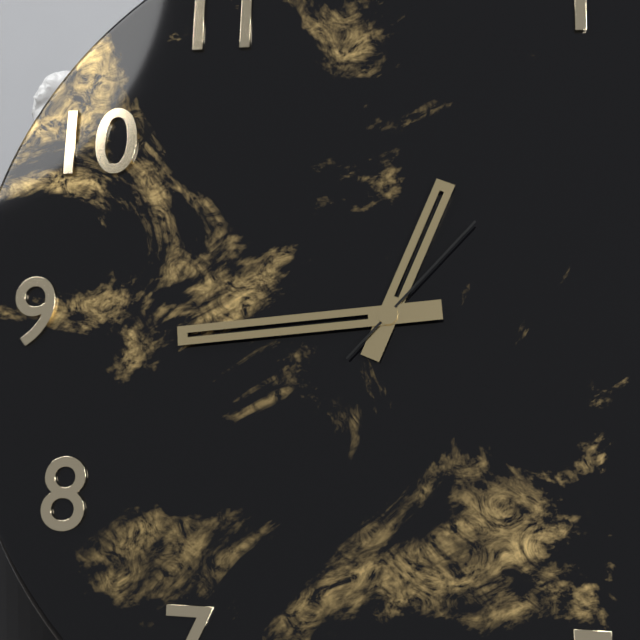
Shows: 12 h 44 min 07 s
